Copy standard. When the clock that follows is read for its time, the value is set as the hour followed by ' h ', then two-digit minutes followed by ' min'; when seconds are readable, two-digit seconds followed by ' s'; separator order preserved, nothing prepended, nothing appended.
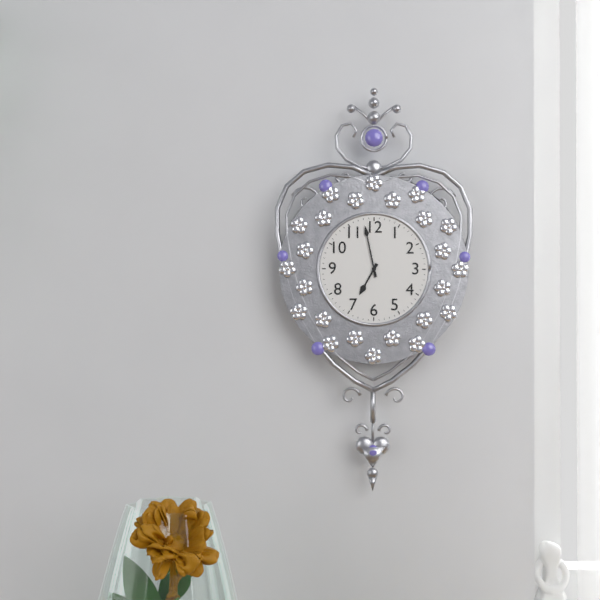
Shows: 6 h 58 min
